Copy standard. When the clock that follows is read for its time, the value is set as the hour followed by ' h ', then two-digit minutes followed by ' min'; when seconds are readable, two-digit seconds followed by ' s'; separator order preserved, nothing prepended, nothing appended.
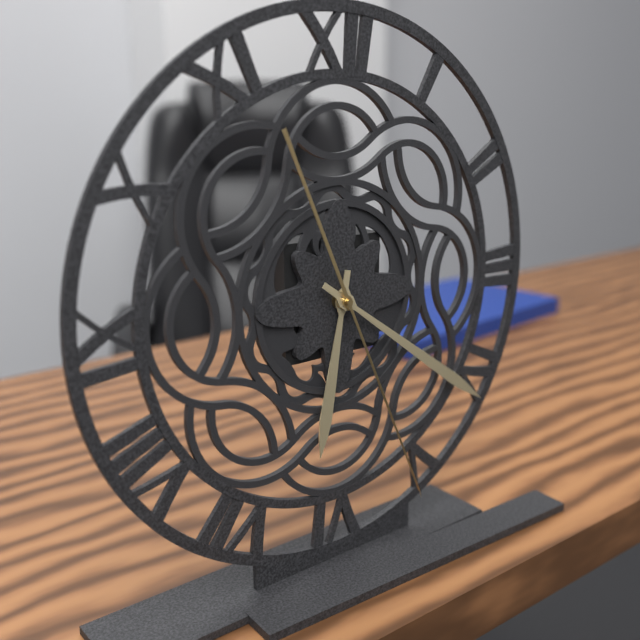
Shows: 6 h 21 min 26 s
